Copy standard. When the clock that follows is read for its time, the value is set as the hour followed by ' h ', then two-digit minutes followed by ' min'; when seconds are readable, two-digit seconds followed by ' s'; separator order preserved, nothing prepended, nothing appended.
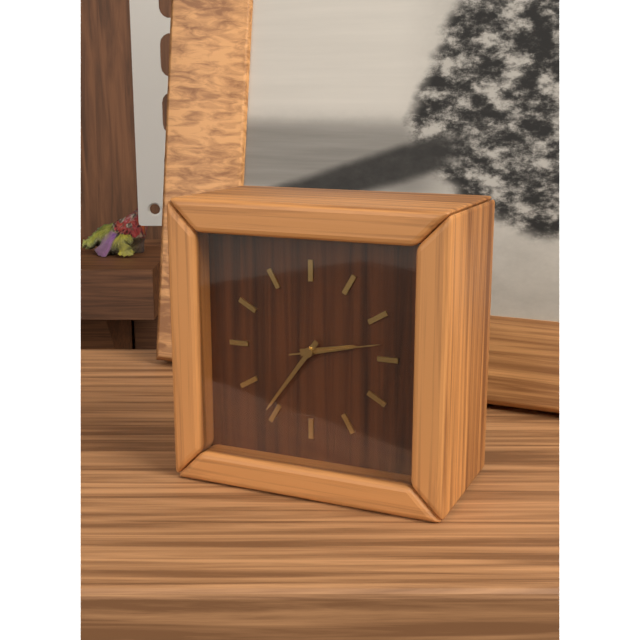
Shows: 2 h 36 min 13 s
